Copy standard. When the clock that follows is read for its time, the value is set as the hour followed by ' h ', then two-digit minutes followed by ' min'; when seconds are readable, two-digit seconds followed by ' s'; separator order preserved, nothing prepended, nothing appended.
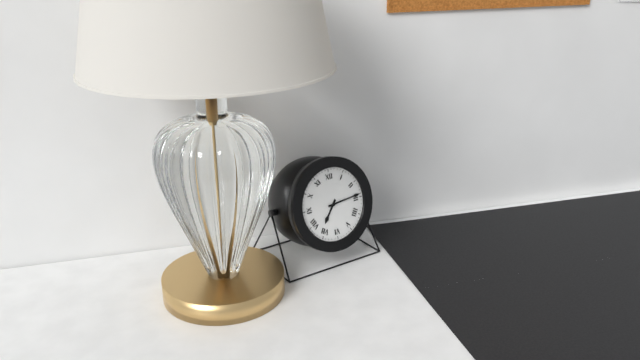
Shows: 7 h 14 min
